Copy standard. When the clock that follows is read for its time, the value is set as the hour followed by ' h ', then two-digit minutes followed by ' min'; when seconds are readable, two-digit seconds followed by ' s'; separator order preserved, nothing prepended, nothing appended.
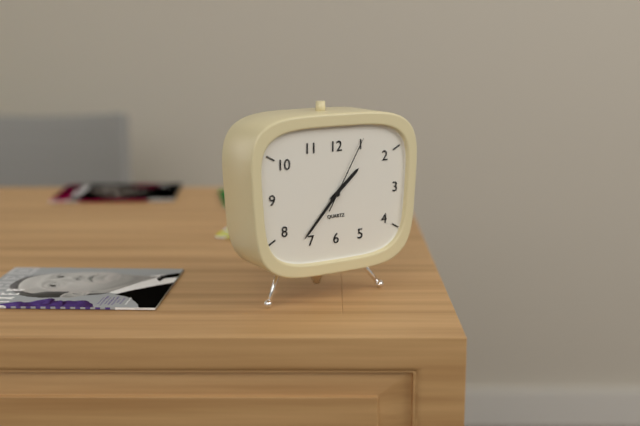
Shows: 1 h 37 min 05 s
